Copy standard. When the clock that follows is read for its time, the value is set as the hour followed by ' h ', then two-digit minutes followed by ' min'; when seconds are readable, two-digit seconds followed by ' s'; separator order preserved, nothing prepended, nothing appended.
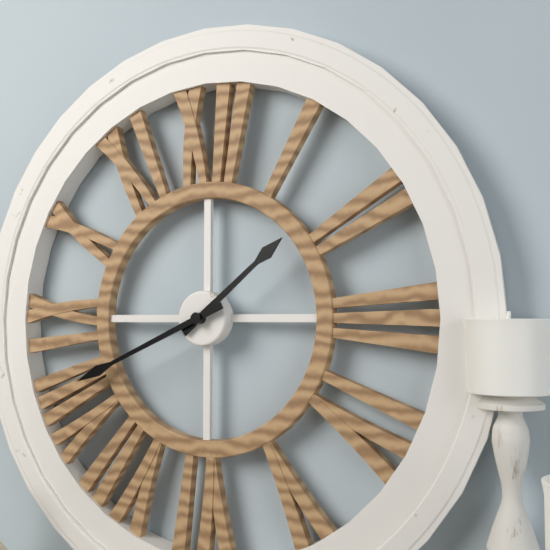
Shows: 1 h 41 min
